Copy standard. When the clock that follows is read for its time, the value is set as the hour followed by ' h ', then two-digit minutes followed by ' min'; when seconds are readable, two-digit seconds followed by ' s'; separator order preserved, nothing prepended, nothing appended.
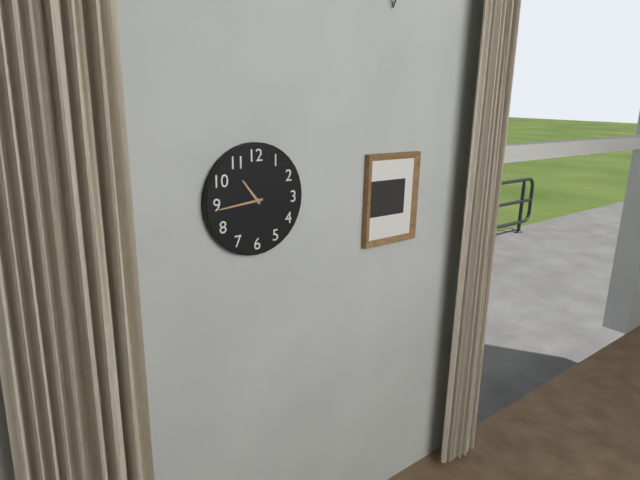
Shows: 10 h 44 min
